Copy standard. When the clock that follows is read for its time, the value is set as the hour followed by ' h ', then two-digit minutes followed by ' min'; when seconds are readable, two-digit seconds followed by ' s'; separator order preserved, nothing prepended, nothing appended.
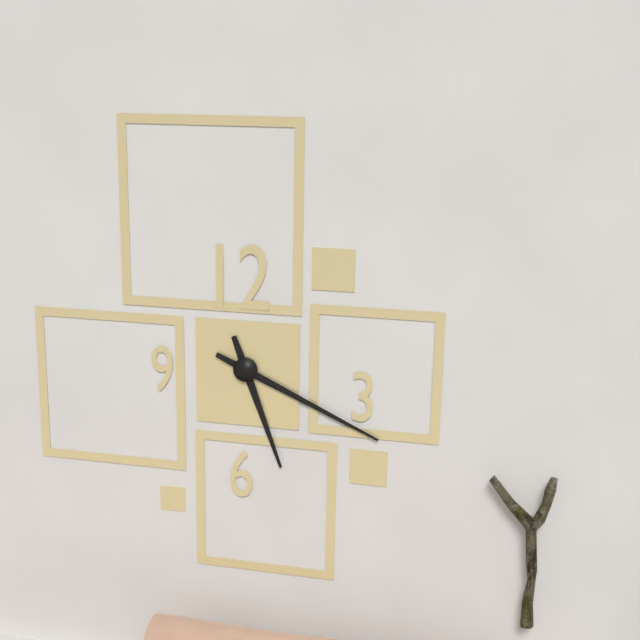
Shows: 5 h 19 min
